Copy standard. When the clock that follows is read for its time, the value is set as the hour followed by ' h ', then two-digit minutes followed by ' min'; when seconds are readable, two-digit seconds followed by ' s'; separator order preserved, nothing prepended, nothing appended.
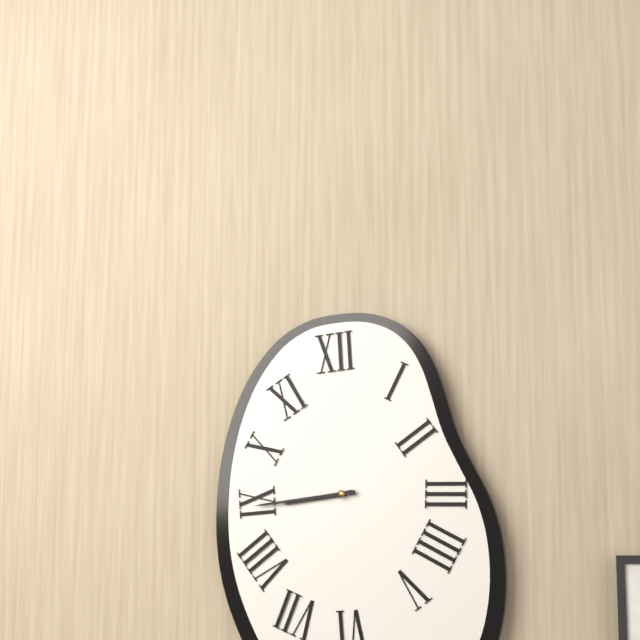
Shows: 8 h 44 min
